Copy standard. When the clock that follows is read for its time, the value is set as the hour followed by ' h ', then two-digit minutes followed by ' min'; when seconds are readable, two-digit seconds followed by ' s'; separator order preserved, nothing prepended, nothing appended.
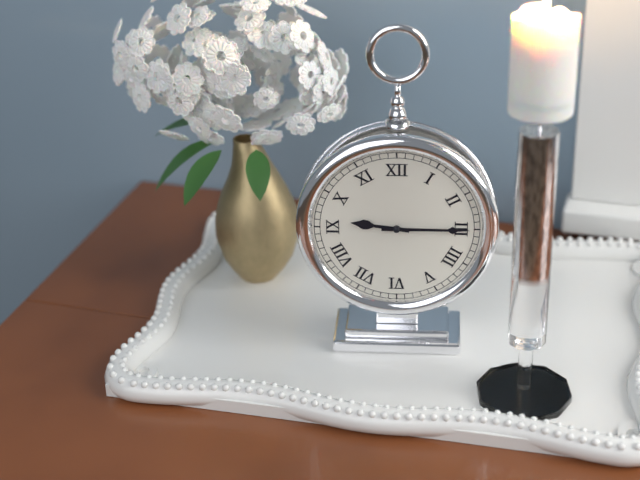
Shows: 9 h 15 min
